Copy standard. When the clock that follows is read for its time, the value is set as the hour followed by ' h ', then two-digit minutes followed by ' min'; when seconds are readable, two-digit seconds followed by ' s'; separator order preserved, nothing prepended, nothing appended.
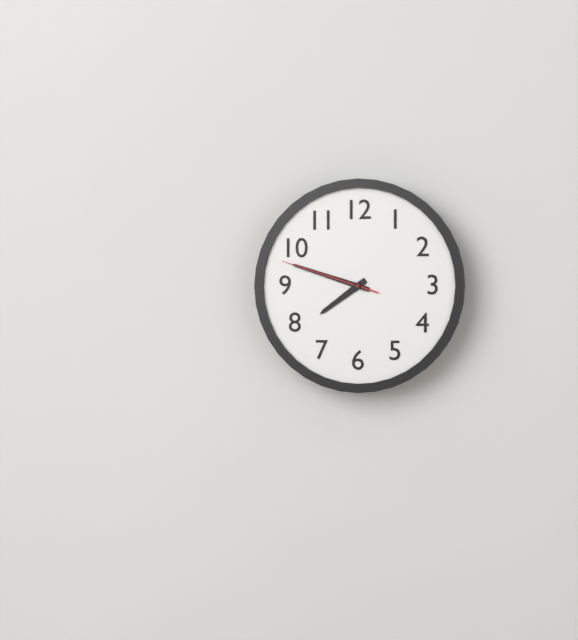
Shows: 7 h 48 min 48 s
